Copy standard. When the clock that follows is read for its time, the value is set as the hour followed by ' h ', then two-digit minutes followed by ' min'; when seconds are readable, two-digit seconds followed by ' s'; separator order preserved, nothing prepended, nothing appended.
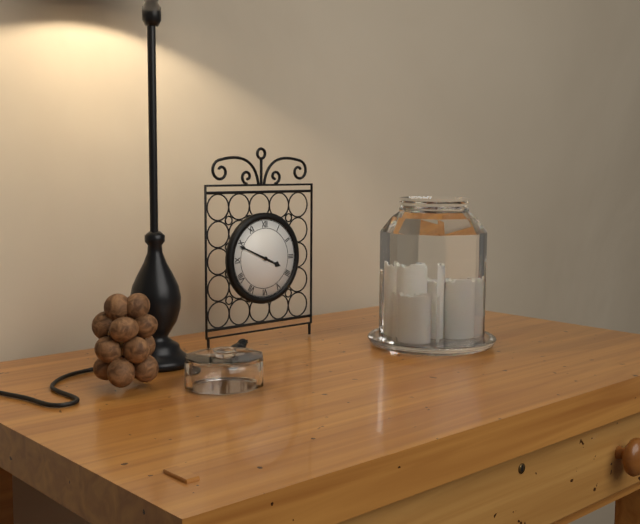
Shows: 3 h 49 min
